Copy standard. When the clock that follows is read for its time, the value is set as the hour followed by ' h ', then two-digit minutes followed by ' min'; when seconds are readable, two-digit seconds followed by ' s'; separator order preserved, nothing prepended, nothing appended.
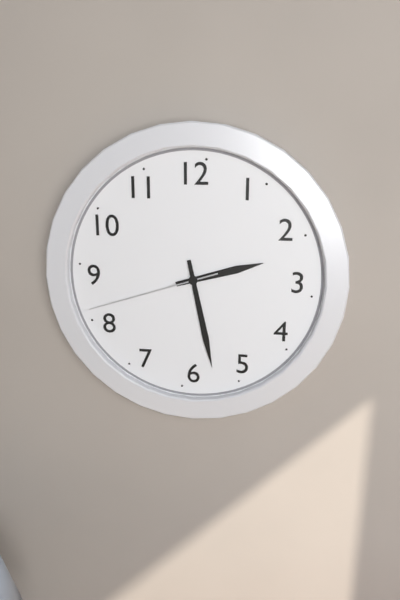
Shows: 2 h 28 min 42 s
